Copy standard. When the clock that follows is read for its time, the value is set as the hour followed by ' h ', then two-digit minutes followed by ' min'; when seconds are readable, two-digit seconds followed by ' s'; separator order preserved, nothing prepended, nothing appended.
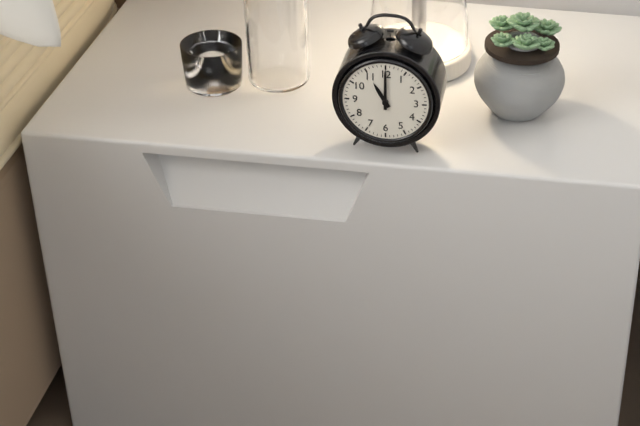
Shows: 11 h 00 min
